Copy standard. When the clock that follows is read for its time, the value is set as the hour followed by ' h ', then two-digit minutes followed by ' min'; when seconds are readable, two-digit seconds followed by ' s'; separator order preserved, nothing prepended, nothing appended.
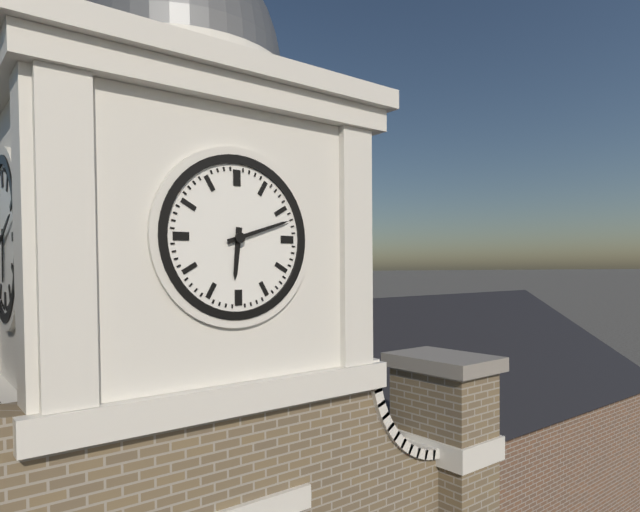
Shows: 6 h 12 min
